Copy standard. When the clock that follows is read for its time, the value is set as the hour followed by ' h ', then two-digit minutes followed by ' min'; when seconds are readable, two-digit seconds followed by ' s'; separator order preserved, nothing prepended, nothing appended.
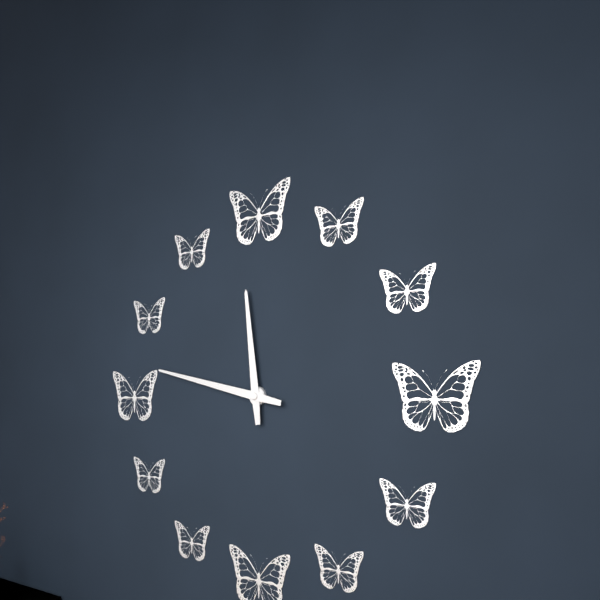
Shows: 11 h 47 min
